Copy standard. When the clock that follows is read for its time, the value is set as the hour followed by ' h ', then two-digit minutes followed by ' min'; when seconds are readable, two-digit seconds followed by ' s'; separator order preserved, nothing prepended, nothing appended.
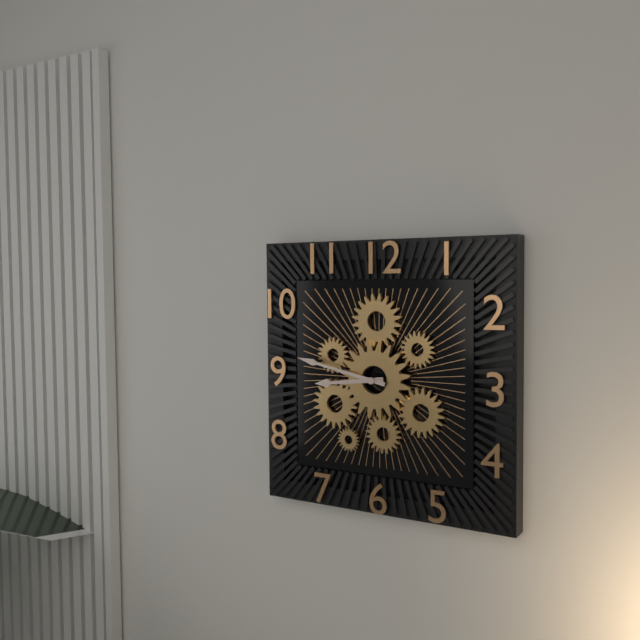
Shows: 8 h 47 min
